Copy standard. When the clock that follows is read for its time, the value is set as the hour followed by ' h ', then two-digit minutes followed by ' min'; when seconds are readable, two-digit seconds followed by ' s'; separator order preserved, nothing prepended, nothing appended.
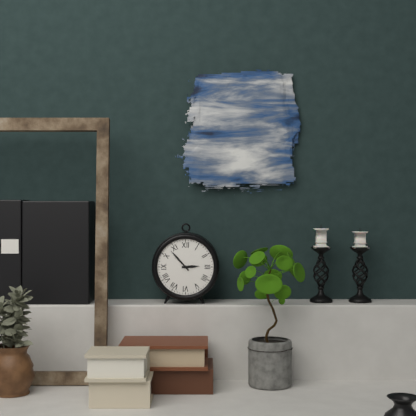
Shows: 2 h 53 min
